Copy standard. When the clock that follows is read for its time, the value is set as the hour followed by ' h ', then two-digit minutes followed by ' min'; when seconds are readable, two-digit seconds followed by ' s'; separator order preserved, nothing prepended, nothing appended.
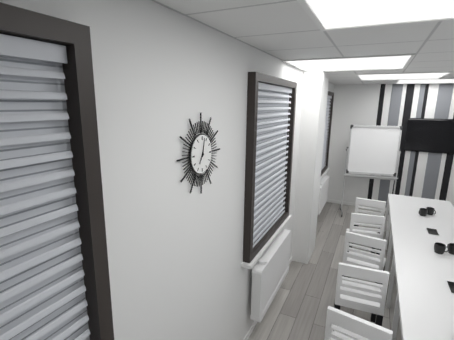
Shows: 7 h 02 min
